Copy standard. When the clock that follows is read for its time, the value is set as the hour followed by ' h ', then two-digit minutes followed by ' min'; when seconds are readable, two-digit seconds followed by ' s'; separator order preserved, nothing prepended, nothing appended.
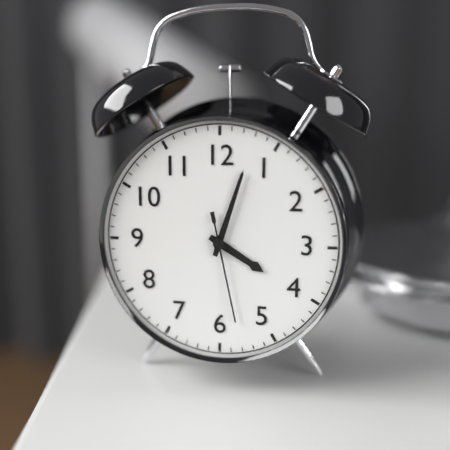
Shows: 4 h 03 min 28 s
